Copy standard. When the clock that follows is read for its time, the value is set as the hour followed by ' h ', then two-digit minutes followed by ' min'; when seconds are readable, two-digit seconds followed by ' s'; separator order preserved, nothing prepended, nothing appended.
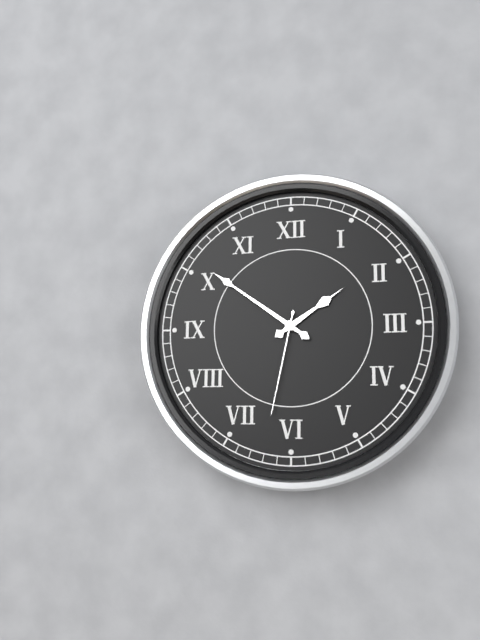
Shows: 1 h 51 min 32 s
